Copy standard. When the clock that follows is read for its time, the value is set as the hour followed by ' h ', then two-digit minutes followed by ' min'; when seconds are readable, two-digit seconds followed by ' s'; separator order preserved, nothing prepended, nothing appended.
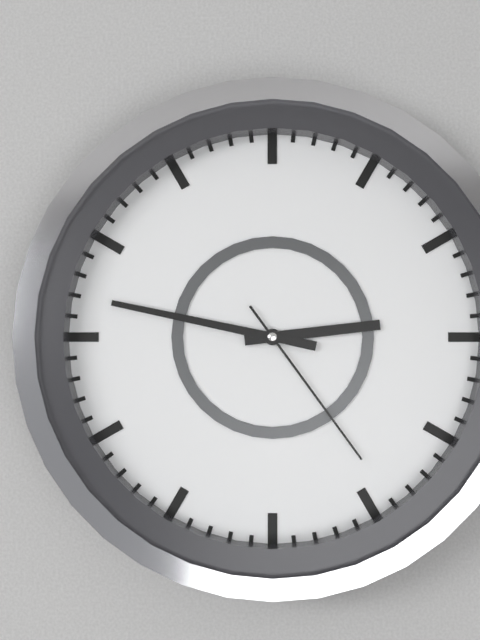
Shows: 2 h 47 min 24 s
